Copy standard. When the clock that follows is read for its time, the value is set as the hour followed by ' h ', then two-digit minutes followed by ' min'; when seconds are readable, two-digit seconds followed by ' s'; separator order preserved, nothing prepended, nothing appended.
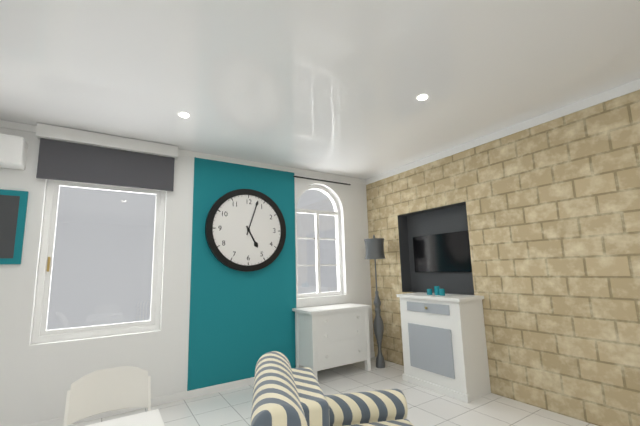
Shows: 5 h 03 min
